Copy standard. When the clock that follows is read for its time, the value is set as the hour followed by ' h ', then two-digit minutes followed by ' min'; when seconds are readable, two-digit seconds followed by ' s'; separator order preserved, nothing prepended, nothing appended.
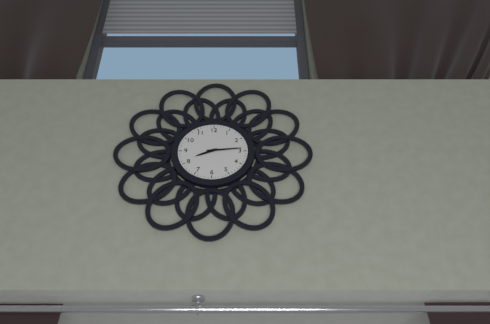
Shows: 8 h 14 min
